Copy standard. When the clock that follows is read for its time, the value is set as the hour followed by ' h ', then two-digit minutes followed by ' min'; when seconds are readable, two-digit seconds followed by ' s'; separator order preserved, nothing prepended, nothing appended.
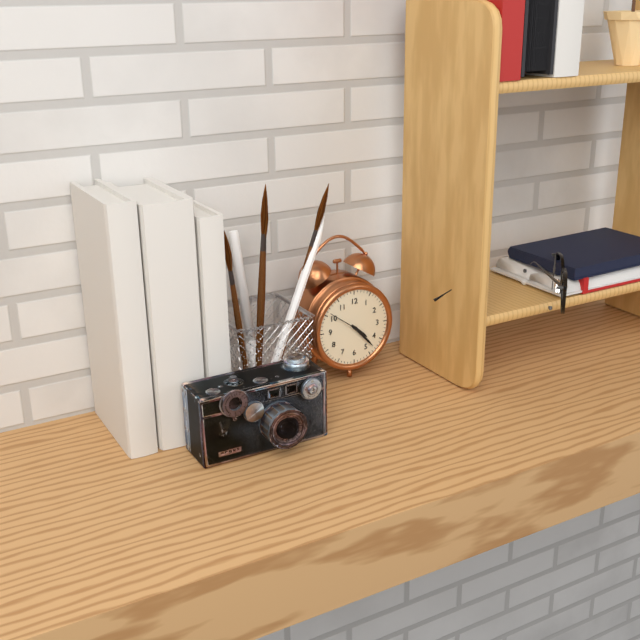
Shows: 4 h 23 min
